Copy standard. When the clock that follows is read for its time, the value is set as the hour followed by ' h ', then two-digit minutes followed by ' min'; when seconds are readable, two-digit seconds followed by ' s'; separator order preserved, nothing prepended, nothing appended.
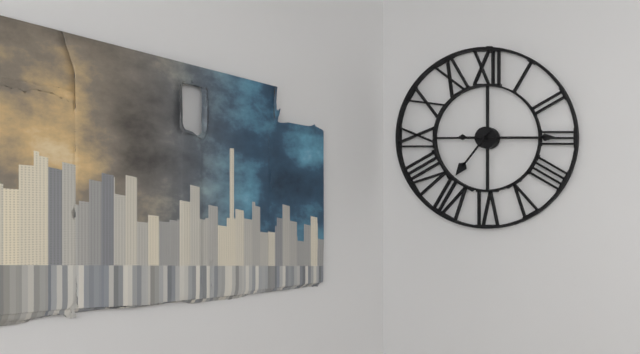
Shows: 7 h 15 min
